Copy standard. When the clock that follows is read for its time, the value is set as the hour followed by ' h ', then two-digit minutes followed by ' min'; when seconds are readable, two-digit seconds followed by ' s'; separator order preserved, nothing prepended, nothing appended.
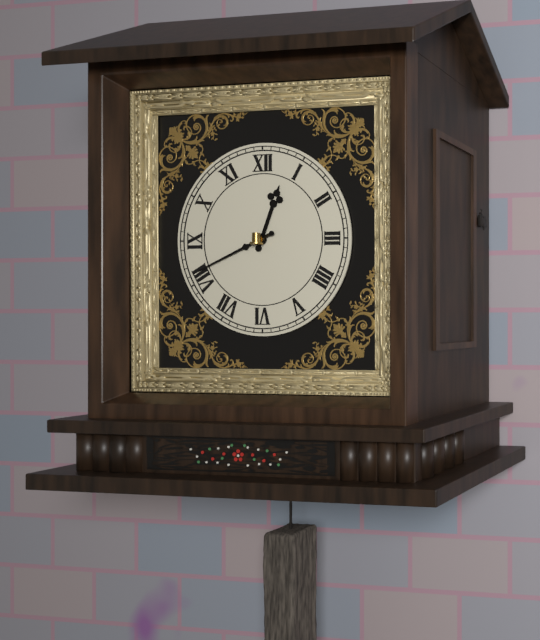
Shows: 12 h 41 min
